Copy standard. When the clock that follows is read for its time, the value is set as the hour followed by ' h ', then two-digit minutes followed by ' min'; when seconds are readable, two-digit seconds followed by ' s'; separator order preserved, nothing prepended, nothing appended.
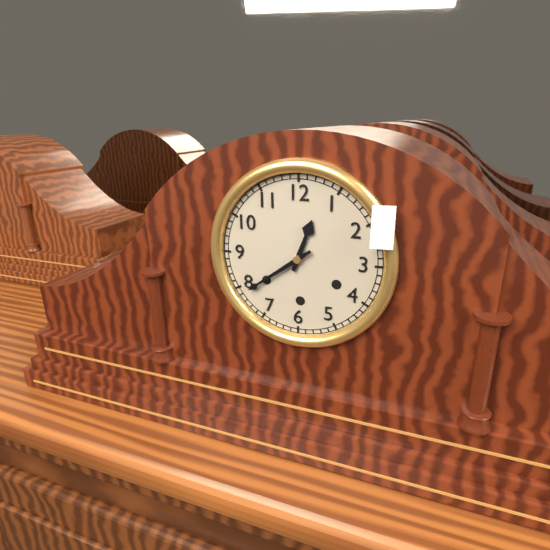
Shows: 12 h 39 min
